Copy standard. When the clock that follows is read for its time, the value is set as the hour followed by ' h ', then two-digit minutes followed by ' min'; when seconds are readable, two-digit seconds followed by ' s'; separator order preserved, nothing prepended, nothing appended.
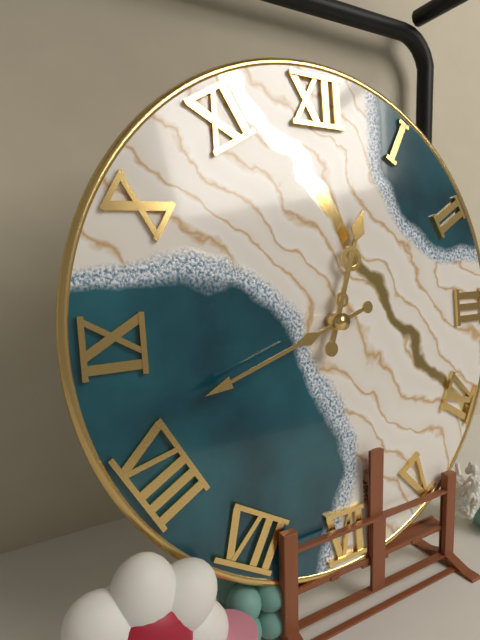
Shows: 12 h 42 min
